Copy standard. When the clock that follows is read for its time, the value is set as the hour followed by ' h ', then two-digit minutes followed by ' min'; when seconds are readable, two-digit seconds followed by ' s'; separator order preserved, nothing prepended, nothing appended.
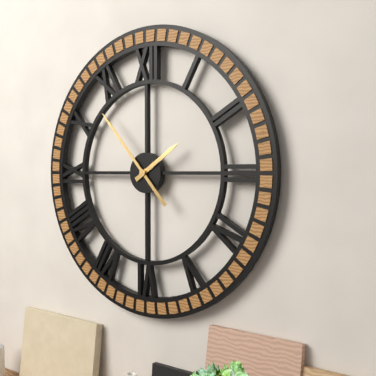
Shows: 1 h 53 min
